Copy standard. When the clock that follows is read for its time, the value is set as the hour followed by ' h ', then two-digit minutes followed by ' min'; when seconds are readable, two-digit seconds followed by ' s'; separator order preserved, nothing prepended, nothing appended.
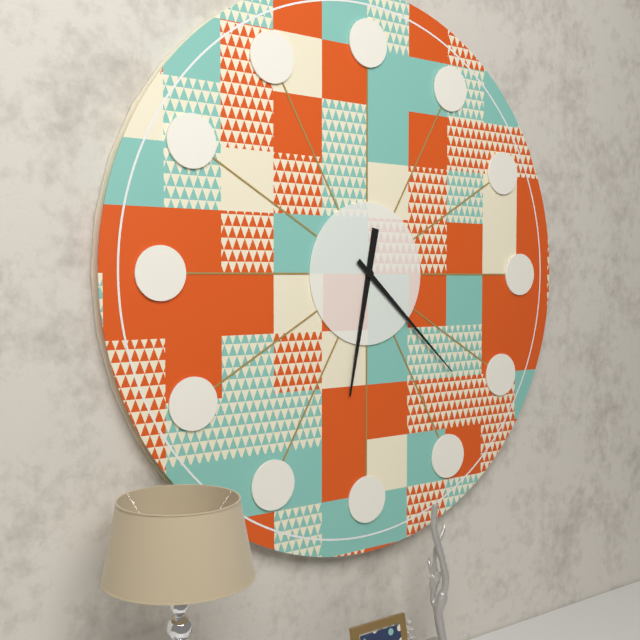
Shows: 6 h 22 min
